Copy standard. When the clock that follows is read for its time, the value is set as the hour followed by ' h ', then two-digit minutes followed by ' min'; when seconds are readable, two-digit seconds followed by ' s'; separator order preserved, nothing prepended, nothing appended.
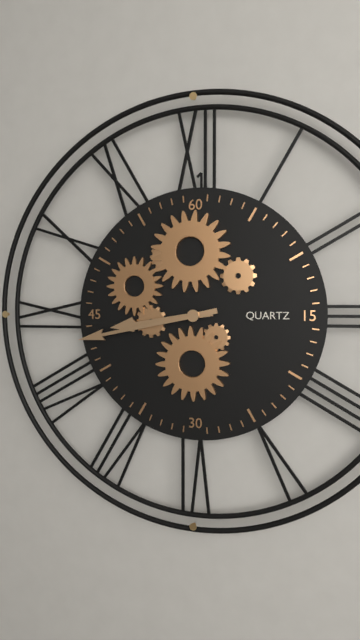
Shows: 8 h 43 min
